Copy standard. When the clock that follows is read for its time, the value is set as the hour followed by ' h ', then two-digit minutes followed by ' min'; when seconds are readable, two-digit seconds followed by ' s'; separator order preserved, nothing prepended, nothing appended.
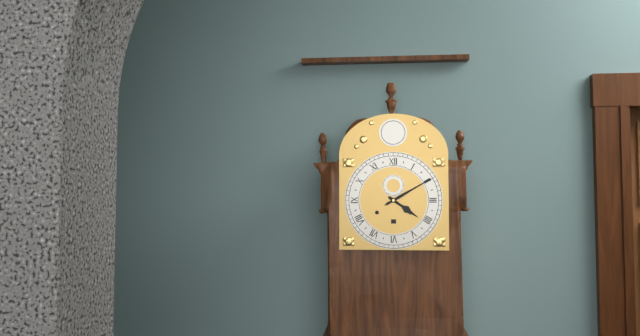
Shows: 4 h 10 min
